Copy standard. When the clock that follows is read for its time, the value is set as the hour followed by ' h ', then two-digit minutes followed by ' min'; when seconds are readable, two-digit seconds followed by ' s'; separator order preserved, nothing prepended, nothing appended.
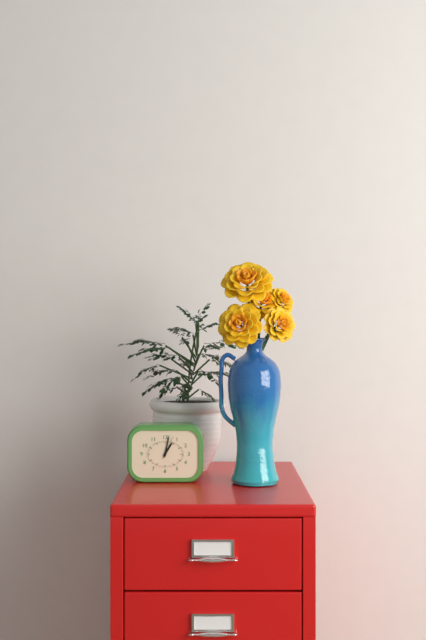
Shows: 1 h 02 min
